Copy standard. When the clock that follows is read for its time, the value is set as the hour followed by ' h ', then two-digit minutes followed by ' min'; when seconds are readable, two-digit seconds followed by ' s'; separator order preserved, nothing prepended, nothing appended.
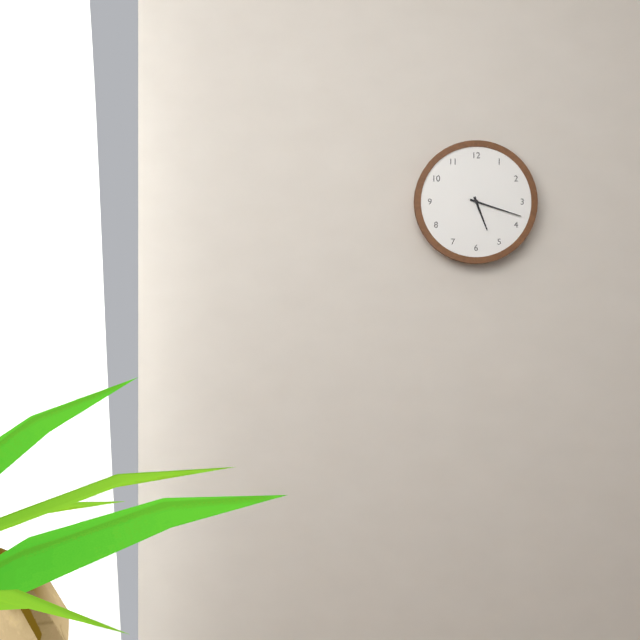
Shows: 5 h 18 min
